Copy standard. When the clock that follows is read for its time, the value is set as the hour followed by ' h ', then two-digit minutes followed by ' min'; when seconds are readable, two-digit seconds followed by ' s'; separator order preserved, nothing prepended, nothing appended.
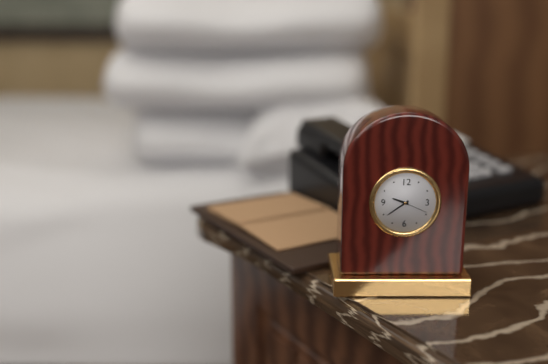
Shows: 9 h 39 min
